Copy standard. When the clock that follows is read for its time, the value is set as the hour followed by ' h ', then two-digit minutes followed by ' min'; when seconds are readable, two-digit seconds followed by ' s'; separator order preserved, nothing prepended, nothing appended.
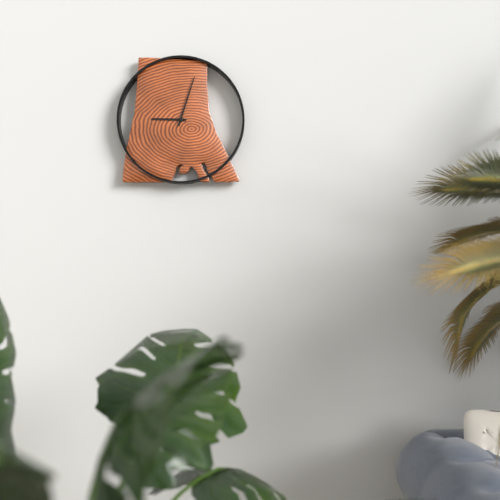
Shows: 9 h 03 min
